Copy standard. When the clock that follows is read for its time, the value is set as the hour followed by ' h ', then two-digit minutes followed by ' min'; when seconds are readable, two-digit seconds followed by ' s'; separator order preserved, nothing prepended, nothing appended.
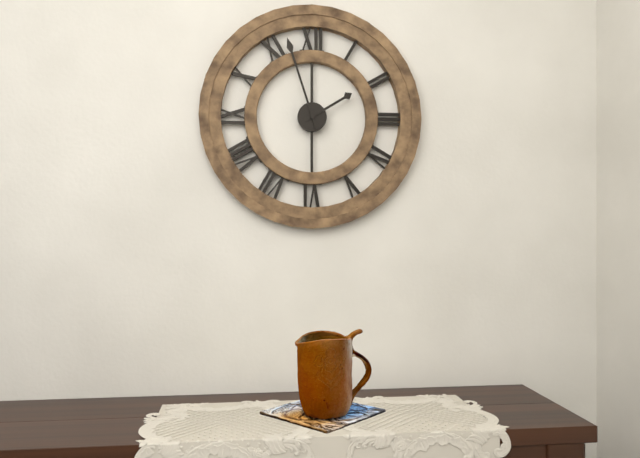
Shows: 1 h 57 min
